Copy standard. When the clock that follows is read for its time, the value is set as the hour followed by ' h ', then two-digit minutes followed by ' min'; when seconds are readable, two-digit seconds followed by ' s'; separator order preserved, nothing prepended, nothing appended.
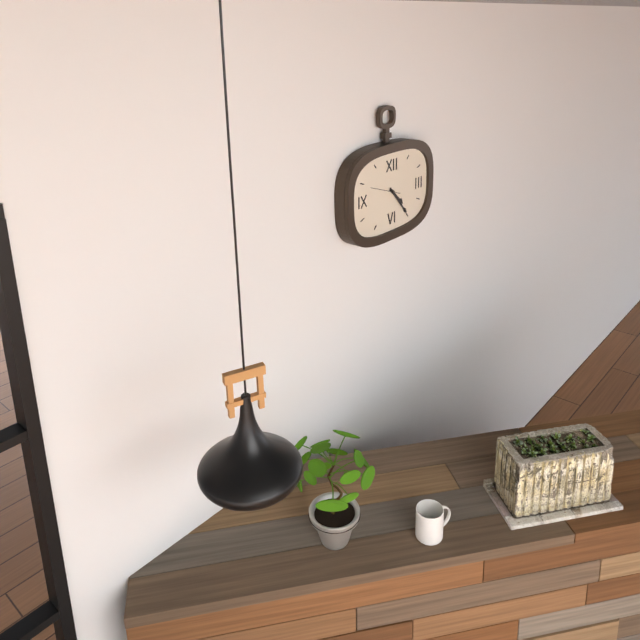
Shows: 4 h 23 min
